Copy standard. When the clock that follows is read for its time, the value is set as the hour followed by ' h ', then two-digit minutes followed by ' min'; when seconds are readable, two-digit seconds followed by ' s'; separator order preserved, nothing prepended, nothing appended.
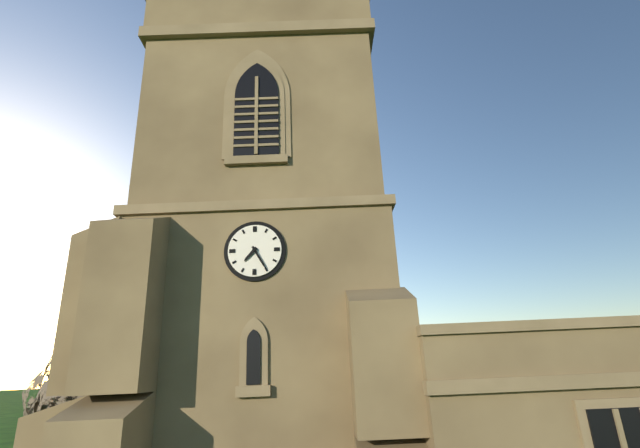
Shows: 7 h 25 min
